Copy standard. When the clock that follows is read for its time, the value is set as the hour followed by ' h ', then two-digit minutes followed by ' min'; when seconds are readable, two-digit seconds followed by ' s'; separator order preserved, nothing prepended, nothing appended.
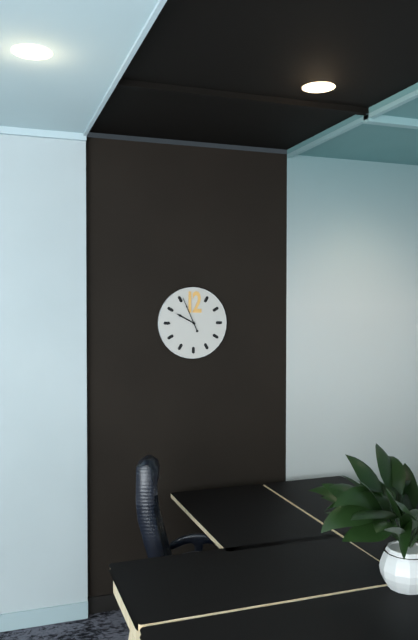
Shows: 9 h 56 min
